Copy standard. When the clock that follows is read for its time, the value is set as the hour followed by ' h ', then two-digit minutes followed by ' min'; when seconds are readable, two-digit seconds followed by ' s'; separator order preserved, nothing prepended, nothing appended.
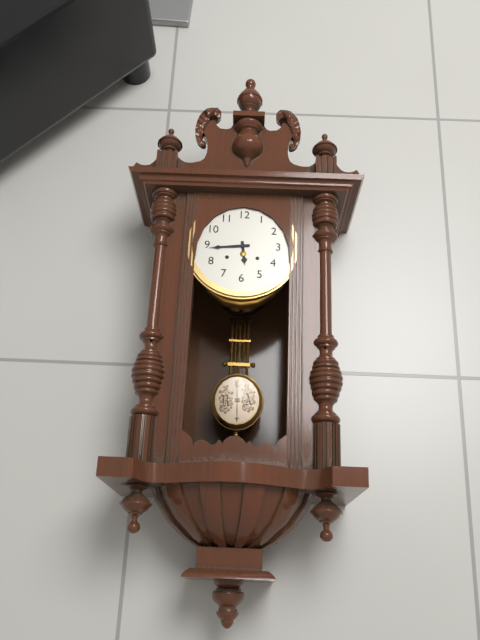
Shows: 5 h 44 min
